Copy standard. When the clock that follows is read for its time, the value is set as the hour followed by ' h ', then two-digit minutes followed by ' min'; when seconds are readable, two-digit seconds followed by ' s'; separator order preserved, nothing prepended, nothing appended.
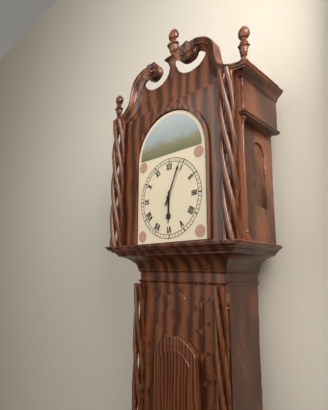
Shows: 6 h 04 min
